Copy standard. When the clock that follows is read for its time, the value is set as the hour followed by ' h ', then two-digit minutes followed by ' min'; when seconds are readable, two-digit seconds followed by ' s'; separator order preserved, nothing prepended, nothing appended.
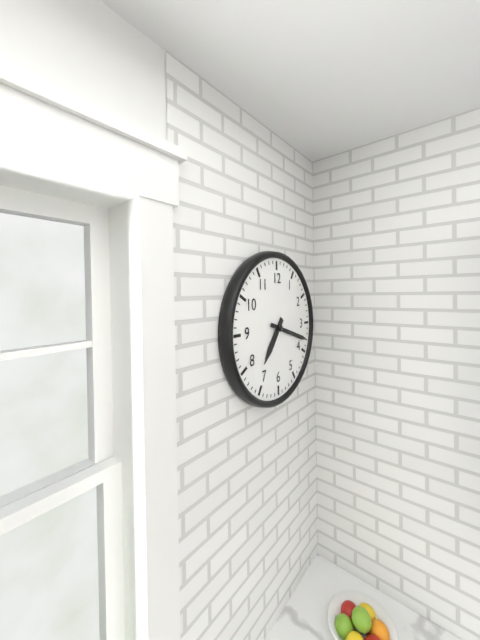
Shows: 7 h 18 min
